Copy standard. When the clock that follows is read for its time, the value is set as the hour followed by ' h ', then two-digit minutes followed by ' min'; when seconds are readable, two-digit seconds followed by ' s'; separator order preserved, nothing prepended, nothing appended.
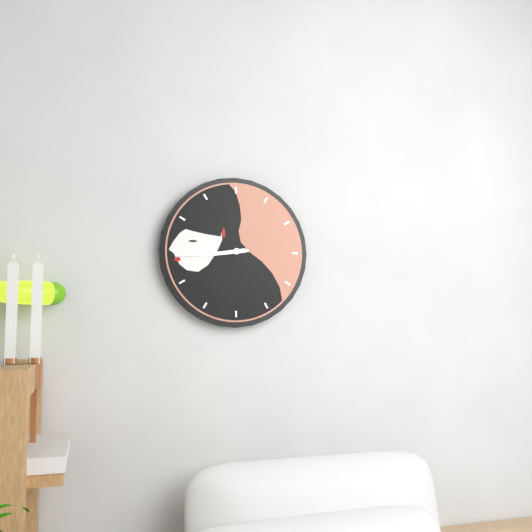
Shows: 8 h 44 min
